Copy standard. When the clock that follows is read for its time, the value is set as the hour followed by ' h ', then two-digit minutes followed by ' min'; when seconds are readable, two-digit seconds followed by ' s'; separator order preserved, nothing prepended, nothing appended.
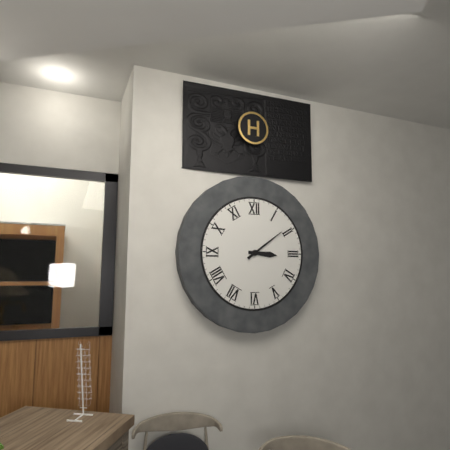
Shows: 3 h 09 min
